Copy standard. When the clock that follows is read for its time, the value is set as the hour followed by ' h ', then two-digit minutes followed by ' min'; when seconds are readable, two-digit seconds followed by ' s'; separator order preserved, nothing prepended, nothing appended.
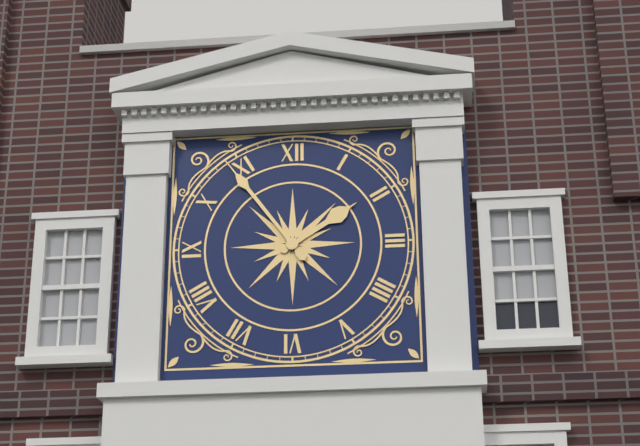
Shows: 1 h 54 min
